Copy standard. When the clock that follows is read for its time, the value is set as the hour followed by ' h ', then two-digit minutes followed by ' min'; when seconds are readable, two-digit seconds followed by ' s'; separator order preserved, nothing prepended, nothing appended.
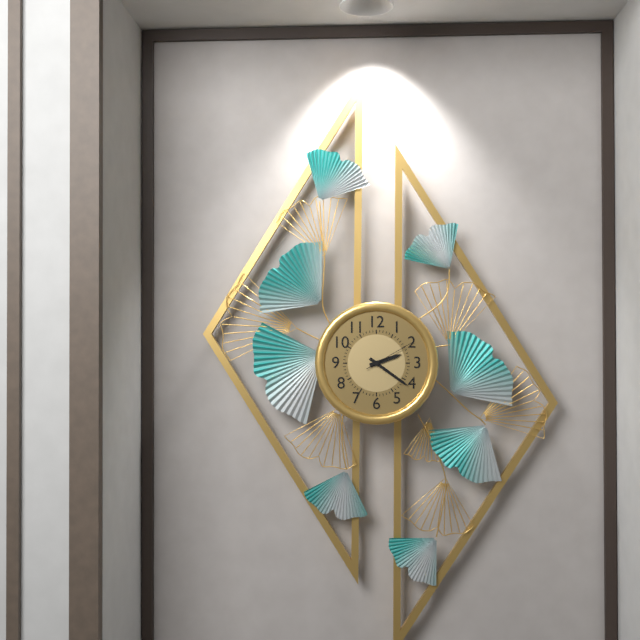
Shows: 2 h 21 min 10 s
